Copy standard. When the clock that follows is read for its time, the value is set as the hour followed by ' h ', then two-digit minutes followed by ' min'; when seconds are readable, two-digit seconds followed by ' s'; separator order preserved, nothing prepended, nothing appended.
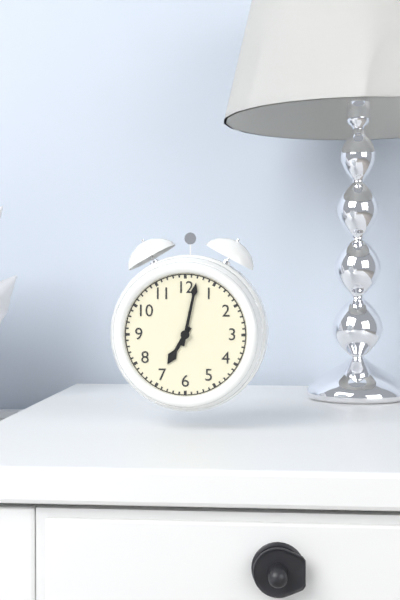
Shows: 7 h 02 min
